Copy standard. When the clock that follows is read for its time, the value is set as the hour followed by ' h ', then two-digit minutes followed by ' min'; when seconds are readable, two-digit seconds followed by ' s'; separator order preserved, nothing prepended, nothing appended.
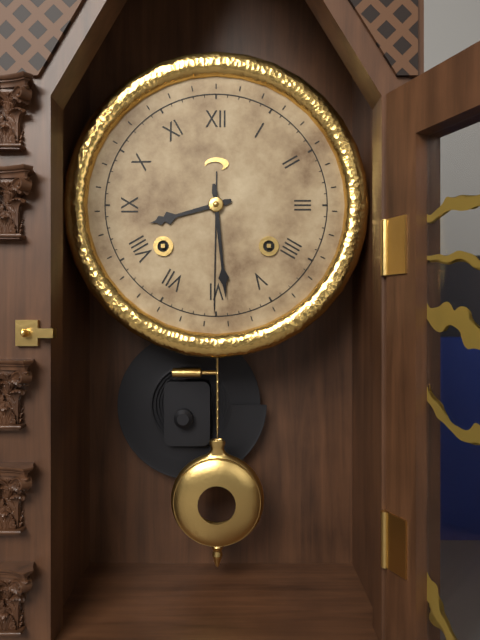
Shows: 8 h 29 min
